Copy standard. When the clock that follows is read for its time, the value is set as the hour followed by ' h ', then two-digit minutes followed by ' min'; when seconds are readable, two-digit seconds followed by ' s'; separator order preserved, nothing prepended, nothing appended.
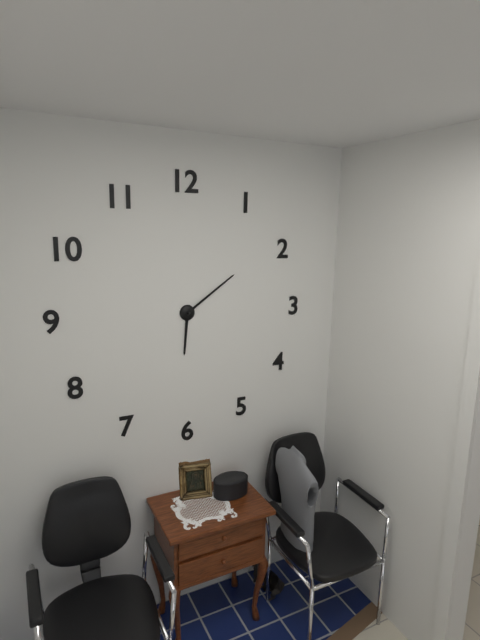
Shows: 6 h 09 min
